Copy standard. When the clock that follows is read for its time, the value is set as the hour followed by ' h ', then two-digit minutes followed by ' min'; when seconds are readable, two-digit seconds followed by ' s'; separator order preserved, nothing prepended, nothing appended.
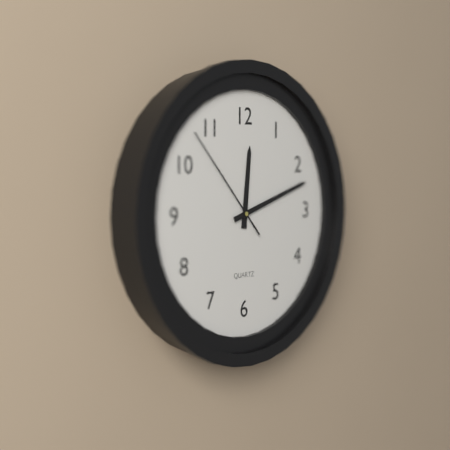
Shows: 12 h 12 min 53 s
